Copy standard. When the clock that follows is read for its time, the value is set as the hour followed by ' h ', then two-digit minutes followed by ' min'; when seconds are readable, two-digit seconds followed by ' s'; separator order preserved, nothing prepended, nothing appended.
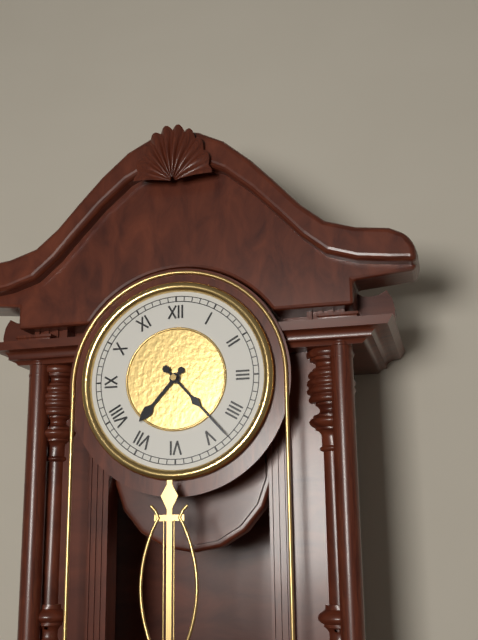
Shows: 7 h 23 min
